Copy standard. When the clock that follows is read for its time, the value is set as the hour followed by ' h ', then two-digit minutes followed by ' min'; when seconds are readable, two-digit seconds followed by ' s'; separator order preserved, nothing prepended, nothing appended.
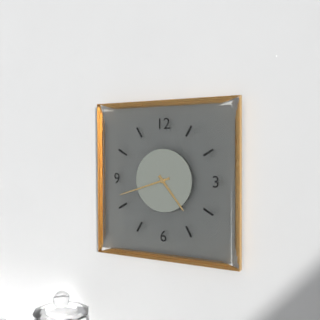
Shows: 4 h 42 min
